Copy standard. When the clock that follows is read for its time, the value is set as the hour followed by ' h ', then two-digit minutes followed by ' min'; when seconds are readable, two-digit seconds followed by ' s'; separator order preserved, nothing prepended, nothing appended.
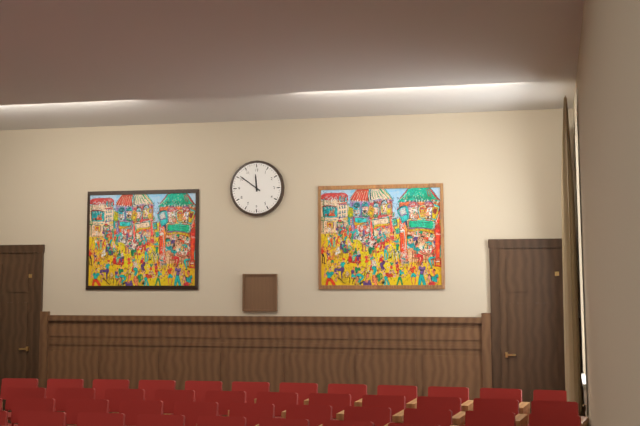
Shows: 11 h 51 min
